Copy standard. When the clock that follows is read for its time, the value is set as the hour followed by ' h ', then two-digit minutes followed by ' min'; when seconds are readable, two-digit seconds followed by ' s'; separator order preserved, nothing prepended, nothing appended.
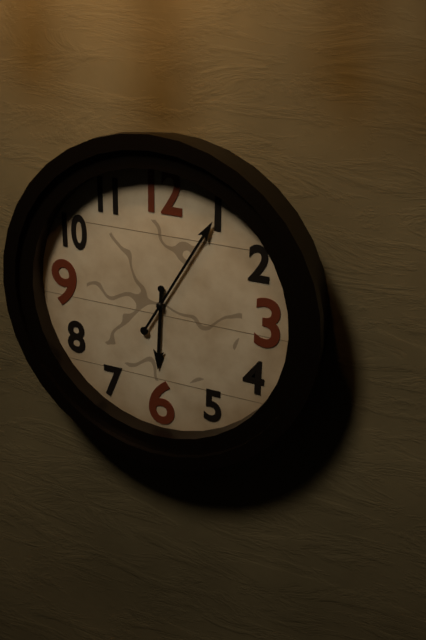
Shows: 6 h 05 min
